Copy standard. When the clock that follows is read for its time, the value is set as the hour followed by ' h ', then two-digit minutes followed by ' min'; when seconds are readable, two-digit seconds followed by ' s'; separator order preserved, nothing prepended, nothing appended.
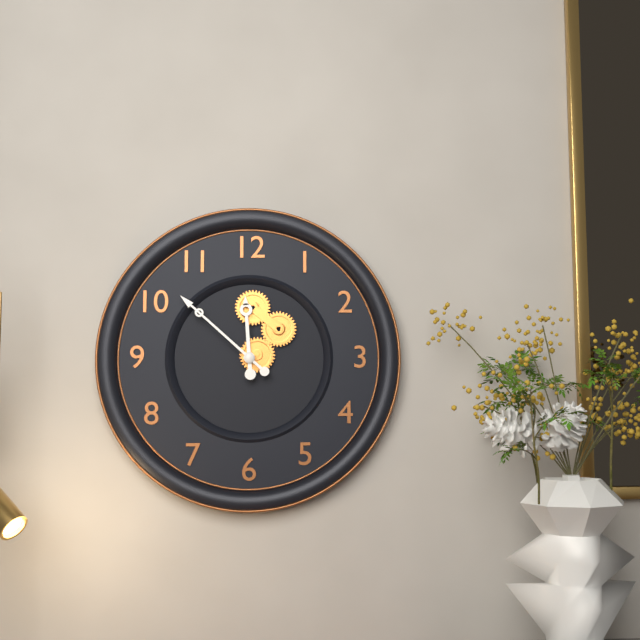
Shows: 11 h 52 min
